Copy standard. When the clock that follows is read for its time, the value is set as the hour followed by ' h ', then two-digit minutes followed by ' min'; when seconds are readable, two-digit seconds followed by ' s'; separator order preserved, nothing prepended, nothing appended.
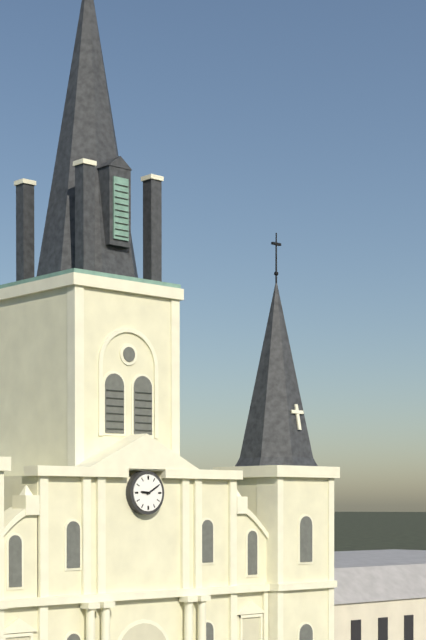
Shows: 9 h 10 min
